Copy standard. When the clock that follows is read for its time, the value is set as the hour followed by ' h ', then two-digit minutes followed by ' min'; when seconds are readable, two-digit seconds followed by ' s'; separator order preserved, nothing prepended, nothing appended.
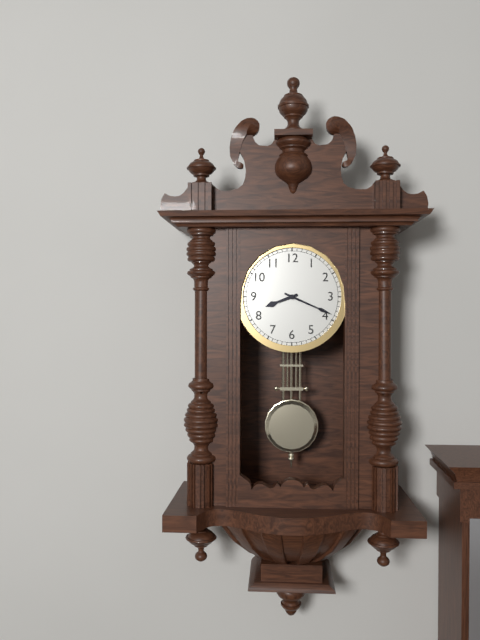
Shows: 8 h 19 min
